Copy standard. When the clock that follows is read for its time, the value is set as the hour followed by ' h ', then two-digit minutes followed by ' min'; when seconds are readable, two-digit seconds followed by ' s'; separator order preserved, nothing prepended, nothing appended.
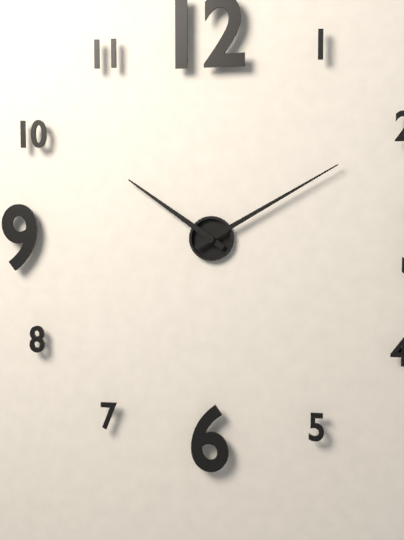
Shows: 10 h 10 min
